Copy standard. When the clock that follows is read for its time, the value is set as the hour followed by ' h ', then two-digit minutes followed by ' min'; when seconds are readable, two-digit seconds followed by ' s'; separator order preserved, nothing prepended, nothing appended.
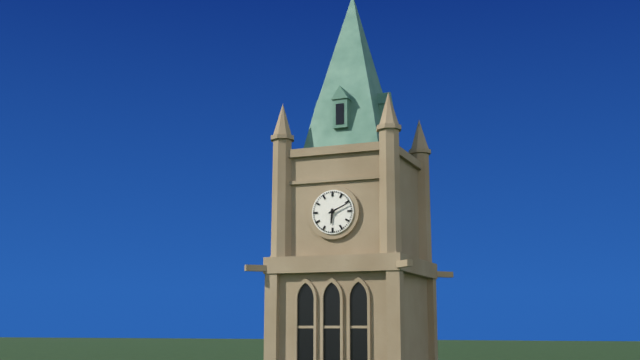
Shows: 6 h 11 min
